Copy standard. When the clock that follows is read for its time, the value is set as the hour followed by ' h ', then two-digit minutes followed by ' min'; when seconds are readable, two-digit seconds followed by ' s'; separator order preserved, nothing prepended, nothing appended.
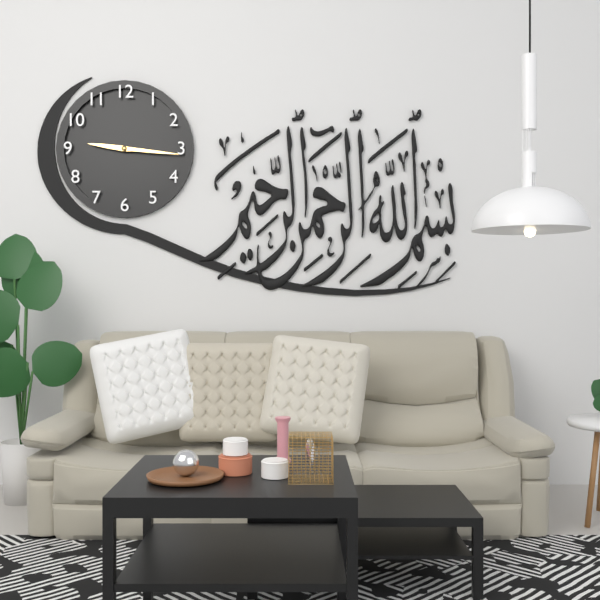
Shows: 9 h 16 min
